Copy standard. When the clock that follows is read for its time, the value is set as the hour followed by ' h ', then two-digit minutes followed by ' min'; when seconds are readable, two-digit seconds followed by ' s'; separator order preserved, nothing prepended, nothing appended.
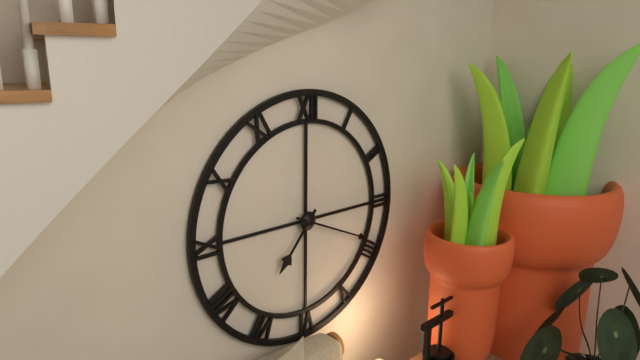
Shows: 7 h 19 min
